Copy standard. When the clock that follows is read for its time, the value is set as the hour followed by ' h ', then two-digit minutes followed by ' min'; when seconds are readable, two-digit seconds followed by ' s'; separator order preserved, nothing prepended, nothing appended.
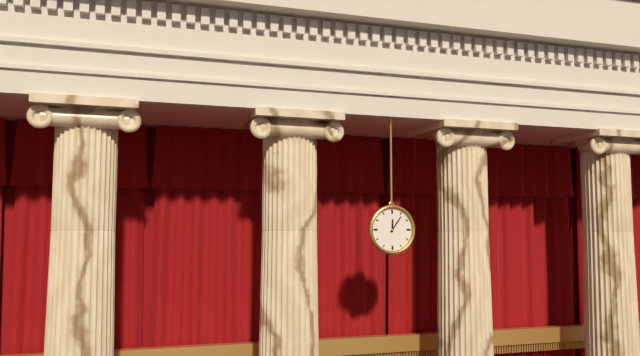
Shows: 12 h 06 min
